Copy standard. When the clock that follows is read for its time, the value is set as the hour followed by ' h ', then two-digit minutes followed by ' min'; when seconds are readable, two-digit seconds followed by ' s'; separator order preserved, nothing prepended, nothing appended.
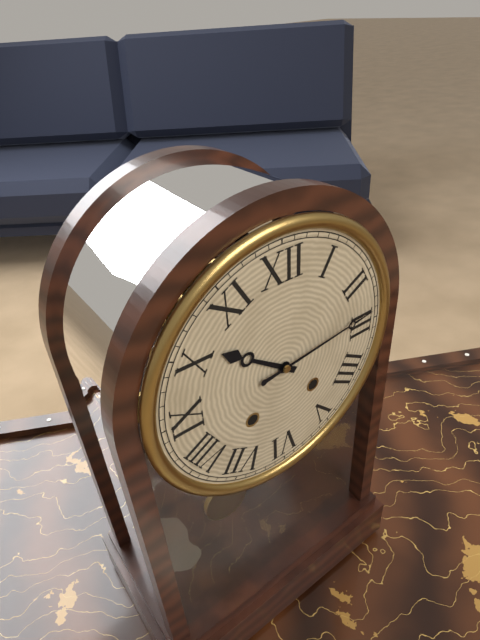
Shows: 10 h 14 min
